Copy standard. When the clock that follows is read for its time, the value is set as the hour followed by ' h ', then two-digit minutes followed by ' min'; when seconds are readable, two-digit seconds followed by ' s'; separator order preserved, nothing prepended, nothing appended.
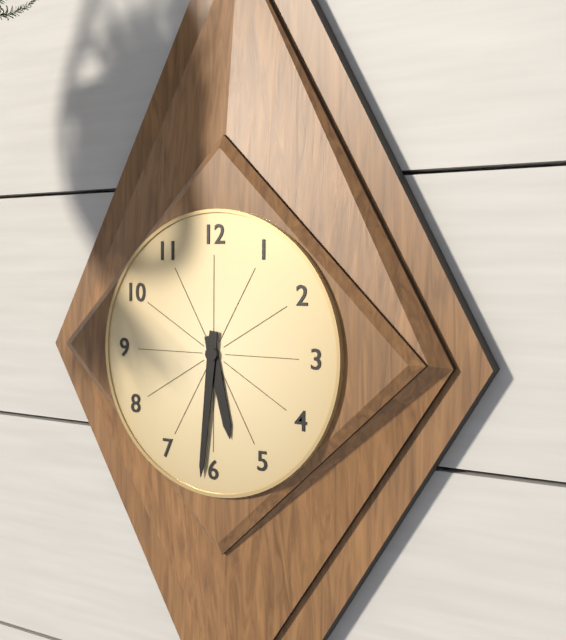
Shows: 5 h 31 min
